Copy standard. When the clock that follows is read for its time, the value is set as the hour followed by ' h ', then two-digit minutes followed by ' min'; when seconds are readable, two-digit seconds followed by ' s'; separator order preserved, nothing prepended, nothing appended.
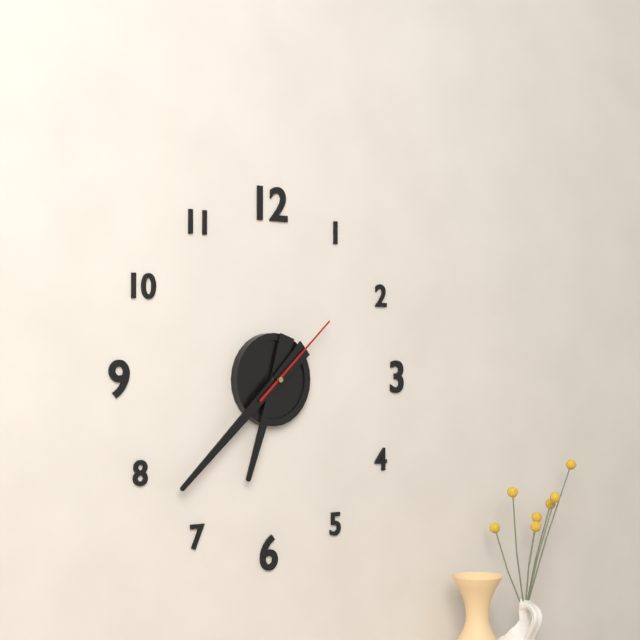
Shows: 6 h 38 min 08 s
